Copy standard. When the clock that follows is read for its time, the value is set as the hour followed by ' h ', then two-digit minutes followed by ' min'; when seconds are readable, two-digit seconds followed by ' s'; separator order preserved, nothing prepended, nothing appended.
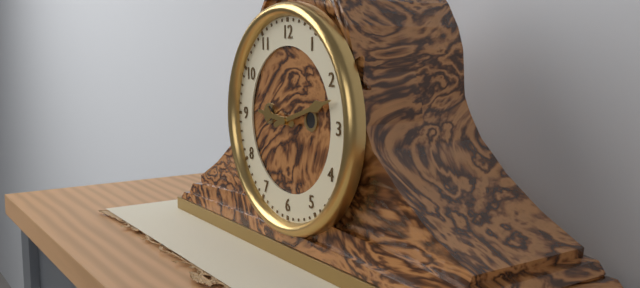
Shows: 9 h 12 min
